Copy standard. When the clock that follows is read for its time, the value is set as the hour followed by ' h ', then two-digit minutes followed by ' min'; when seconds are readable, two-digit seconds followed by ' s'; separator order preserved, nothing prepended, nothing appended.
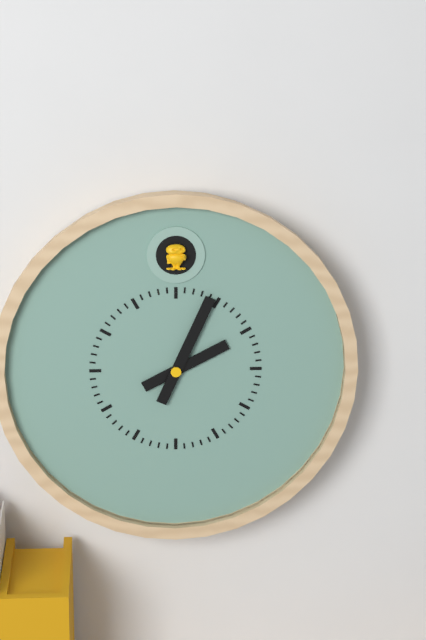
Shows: 2 h 04 min
